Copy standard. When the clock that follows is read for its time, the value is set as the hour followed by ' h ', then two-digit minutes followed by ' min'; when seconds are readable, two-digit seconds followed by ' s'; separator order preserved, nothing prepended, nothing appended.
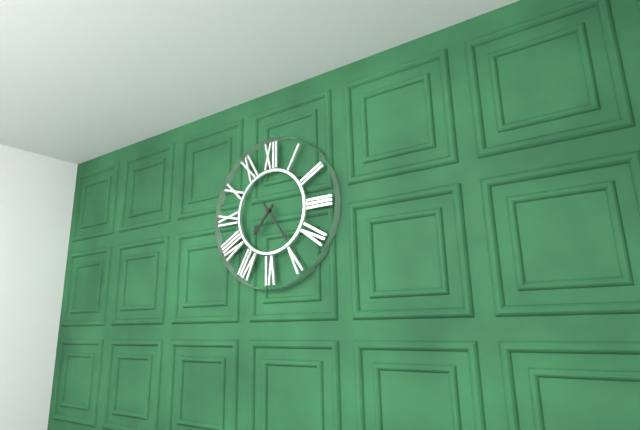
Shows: 7 h 24 min
